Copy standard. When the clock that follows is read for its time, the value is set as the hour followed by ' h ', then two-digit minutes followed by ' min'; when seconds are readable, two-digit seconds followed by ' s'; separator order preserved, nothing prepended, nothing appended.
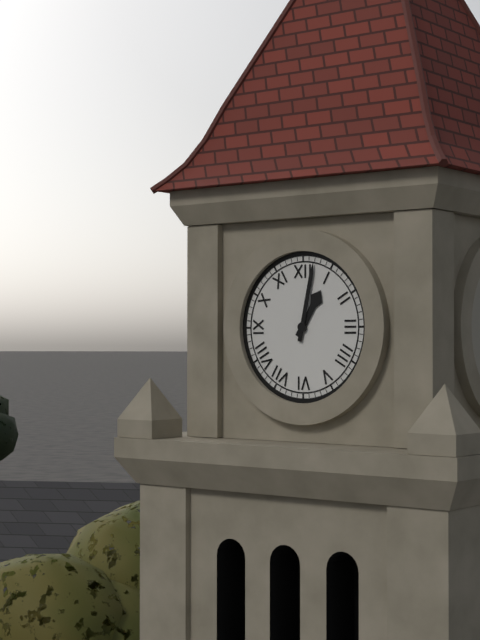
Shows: 1 h 02 min
